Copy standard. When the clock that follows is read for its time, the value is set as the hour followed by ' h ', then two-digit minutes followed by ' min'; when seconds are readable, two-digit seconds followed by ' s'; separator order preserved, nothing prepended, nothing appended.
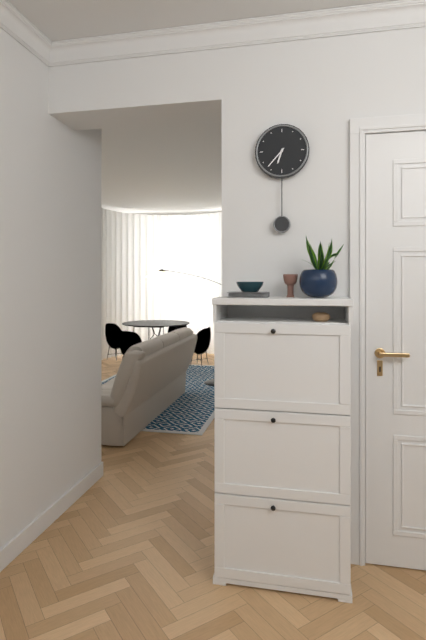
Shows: 6 h 37 min
